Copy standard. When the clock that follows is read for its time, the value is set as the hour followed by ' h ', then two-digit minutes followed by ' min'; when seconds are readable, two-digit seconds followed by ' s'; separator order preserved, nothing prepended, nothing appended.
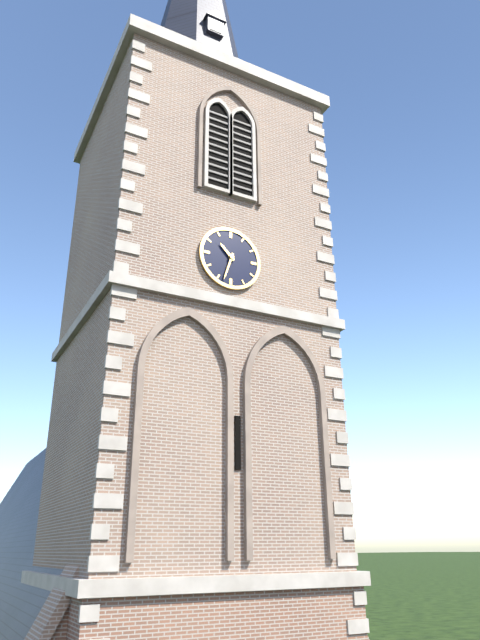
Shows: 10 h 33 min
